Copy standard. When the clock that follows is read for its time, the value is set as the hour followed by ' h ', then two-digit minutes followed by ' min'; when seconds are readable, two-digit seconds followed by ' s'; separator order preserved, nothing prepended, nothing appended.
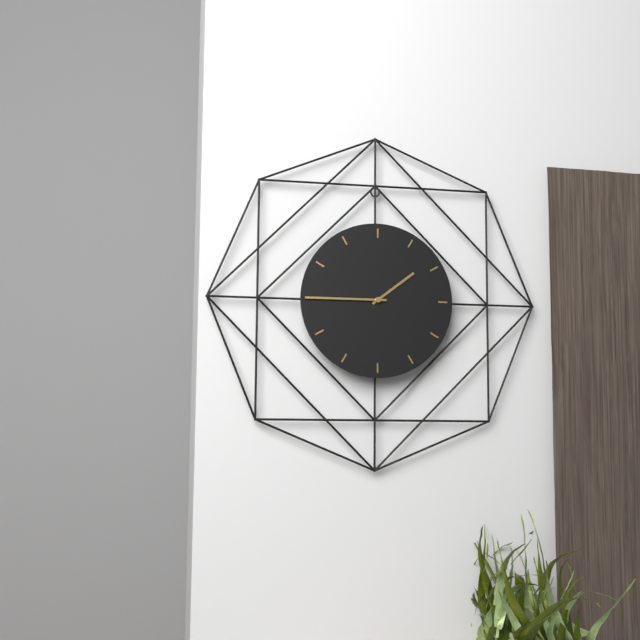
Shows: 1 h 45 min
